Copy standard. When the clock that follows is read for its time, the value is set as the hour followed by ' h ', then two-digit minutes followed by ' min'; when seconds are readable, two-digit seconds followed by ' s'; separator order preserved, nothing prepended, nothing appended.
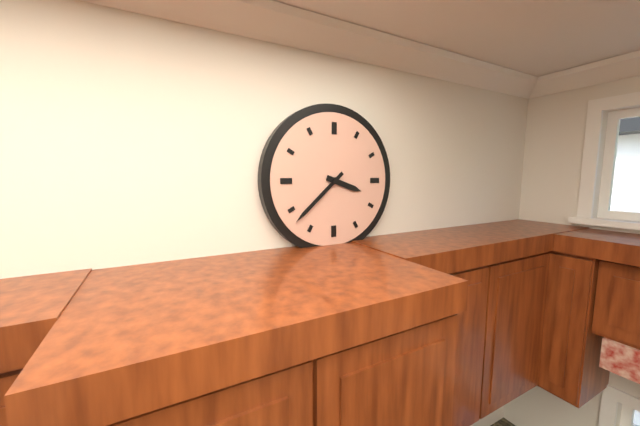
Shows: 3 h 38 min
